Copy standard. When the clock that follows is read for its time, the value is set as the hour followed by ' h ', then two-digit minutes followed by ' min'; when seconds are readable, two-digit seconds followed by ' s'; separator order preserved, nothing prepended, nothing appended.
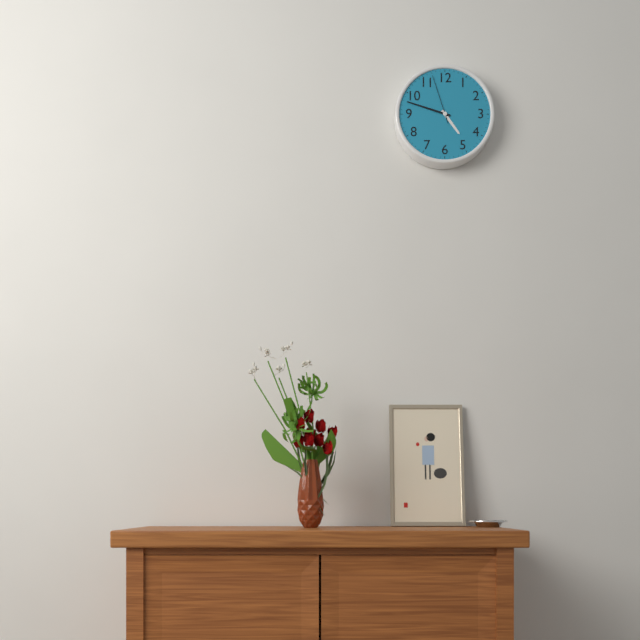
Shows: 4 h 48 min 57 s
